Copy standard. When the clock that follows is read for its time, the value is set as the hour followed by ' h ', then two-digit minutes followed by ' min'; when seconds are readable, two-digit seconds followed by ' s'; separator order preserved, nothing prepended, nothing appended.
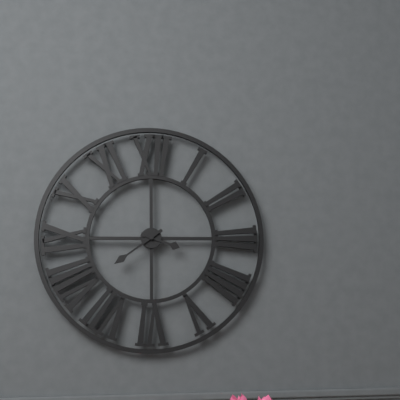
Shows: 3 h 39 min
